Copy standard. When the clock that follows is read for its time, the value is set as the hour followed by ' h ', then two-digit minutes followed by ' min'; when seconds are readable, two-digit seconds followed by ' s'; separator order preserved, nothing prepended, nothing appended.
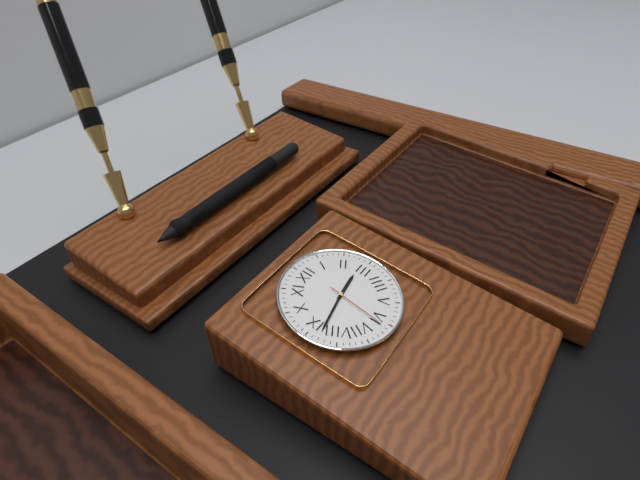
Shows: 2 h 43 min 31 s
